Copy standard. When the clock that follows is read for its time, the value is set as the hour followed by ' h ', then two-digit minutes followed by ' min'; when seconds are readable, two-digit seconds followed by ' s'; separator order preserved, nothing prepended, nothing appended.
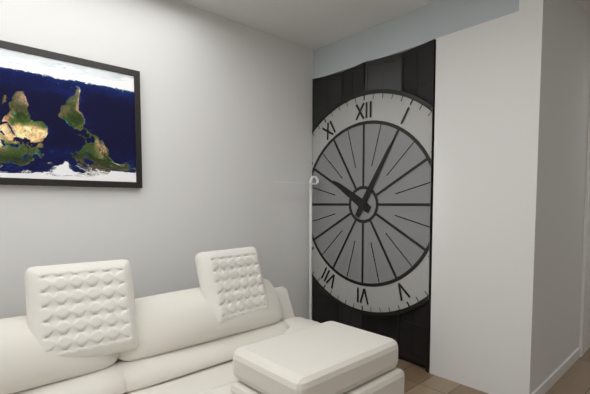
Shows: 10 h 05 min
